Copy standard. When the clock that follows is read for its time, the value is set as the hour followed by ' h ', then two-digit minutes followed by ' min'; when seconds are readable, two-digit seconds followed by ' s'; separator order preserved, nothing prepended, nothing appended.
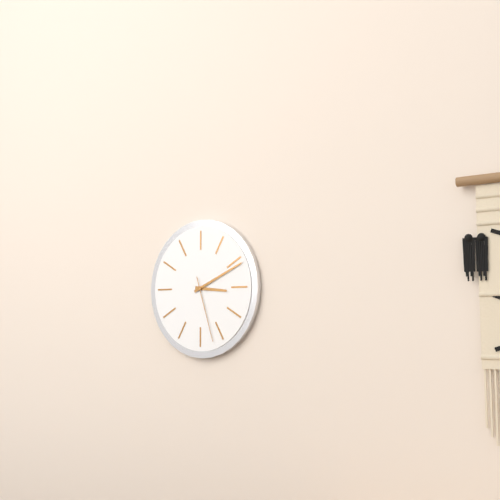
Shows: 3 h 11 min 27 s
